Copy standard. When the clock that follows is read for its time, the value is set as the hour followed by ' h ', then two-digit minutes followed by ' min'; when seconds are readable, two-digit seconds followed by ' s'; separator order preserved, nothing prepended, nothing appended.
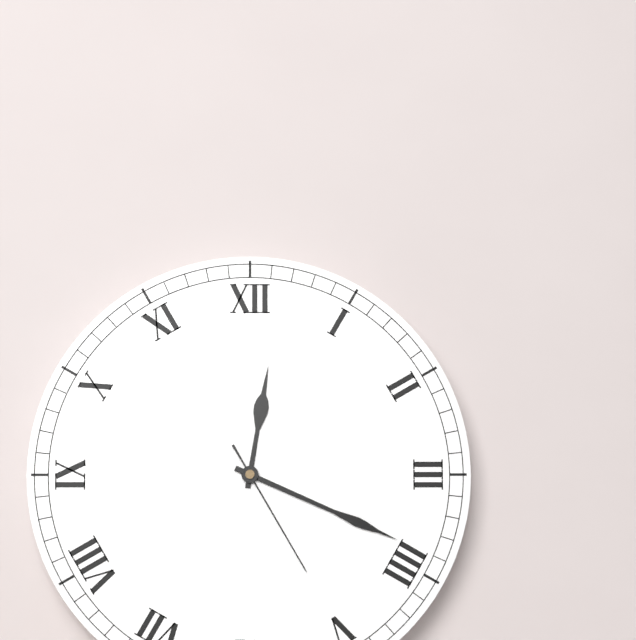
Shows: 12 h 19 min 25 s
